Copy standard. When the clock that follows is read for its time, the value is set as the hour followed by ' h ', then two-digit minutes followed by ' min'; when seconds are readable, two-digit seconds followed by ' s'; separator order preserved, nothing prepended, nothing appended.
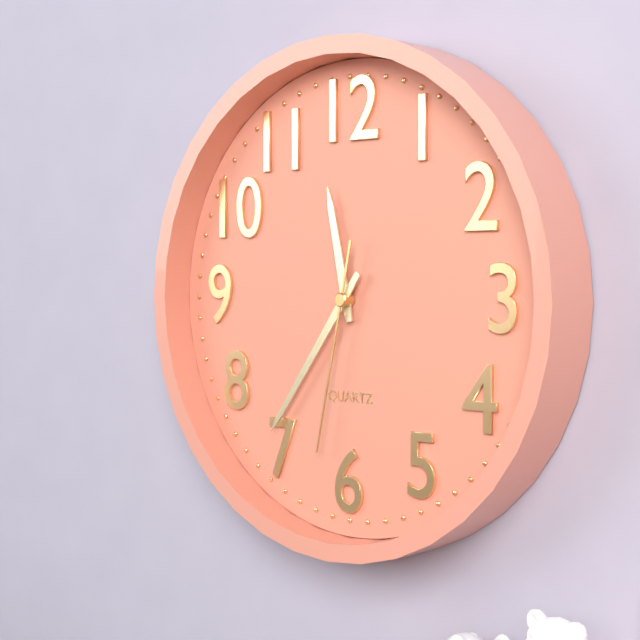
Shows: 11 h 36 min 32 s
